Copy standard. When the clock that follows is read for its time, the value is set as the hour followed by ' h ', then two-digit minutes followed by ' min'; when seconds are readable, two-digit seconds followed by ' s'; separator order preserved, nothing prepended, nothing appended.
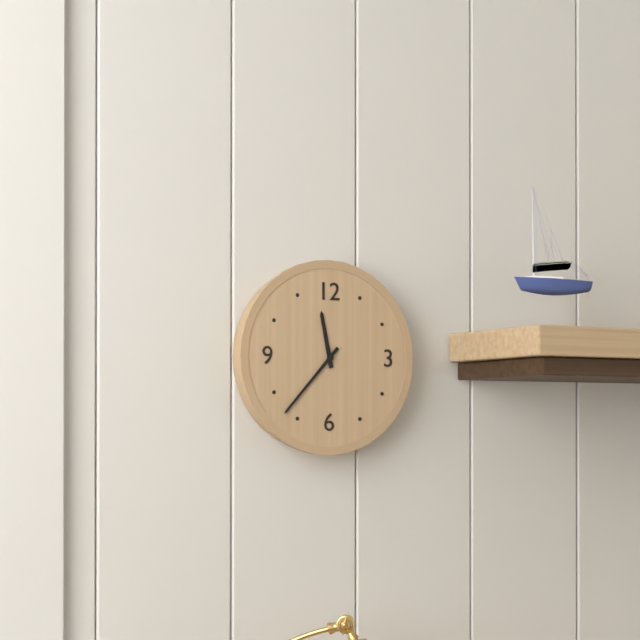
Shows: 11 h 37 min
